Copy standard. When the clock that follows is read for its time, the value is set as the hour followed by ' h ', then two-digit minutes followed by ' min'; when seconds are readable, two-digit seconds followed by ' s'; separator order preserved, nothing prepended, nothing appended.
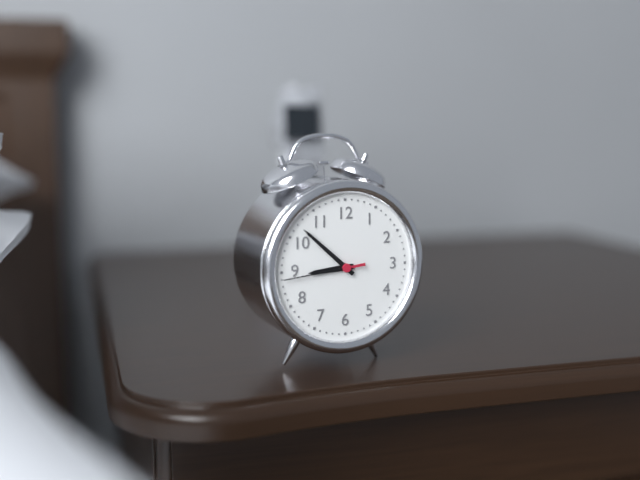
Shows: 8 h 52 min 44 s
